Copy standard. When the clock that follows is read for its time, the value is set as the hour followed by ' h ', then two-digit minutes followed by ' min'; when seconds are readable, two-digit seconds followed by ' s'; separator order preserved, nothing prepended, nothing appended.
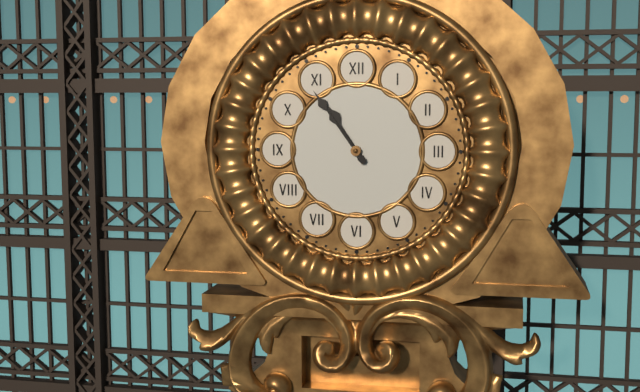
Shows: 10 h 54 min
